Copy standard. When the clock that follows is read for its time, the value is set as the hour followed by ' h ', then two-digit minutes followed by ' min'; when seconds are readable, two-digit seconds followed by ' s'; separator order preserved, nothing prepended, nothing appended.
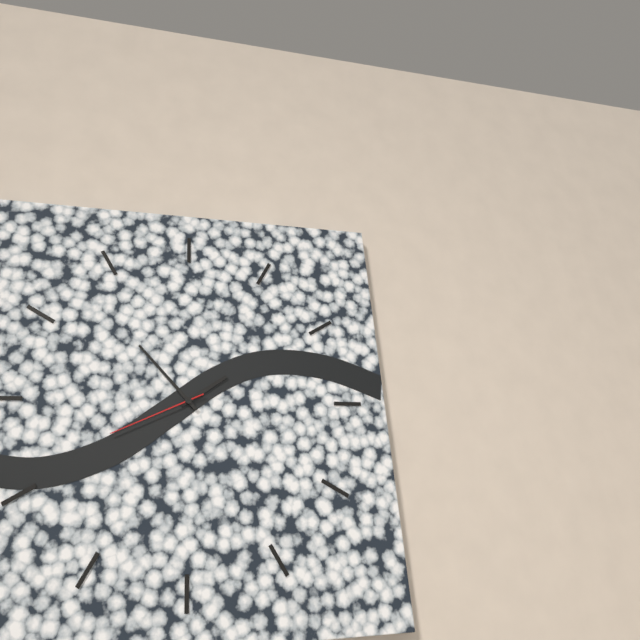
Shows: 1 h 53 min 41 s
